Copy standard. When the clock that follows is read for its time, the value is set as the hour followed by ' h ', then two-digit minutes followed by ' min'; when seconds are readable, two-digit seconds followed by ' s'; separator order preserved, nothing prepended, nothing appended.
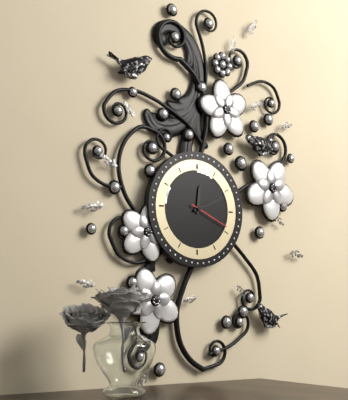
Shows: 12 h 11 min
